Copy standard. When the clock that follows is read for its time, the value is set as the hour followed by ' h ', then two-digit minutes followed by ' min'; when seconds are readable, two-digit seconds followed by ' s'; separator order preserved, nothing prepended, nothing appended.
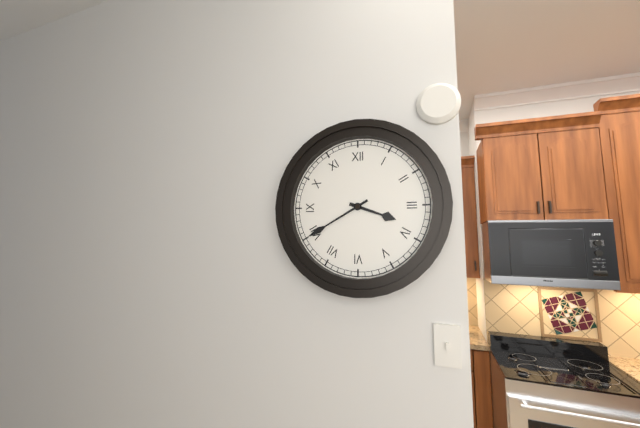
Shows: 3 h 40 min
